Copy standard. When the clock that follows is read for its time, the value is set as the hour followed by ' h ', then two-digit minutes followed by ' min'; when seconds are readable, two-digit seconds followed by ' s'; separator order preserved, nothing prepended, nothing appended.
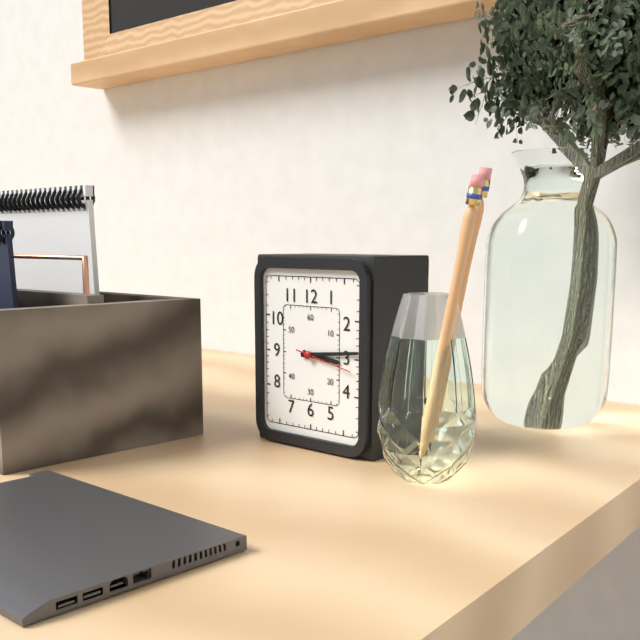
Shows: 3 h 14 min 17 s
